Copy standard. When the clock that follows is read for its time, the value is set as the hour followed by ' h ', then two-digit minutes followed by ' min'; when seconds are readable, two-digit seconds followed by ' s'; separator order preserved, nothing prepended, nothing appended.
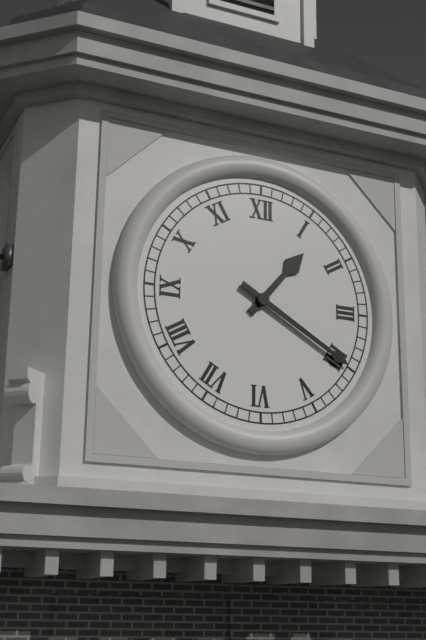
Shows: 1 h 20 min
